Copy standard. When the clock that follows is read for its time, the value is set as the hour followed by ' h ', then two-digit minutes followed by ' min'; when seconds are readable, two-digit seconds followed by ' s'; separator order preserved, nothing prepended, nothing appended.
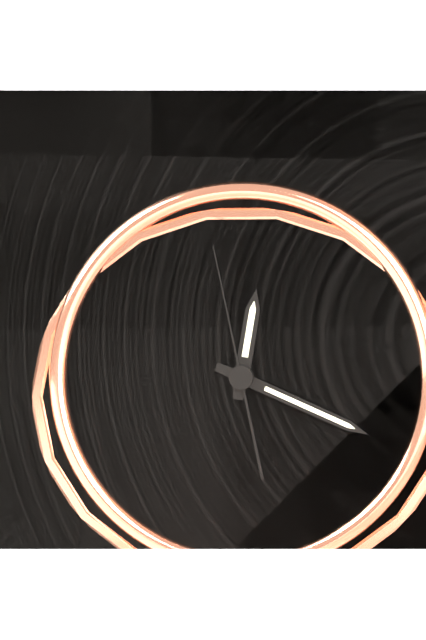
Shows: 12 h 19 min 58 s
